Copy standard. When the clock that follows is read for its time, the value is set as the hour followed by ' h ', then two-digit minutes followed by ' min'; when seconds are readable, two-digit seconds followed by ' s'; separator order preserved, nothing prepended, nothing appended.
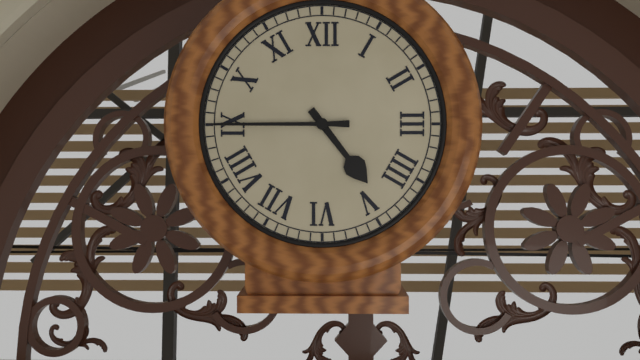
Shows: 4 h 45 min
